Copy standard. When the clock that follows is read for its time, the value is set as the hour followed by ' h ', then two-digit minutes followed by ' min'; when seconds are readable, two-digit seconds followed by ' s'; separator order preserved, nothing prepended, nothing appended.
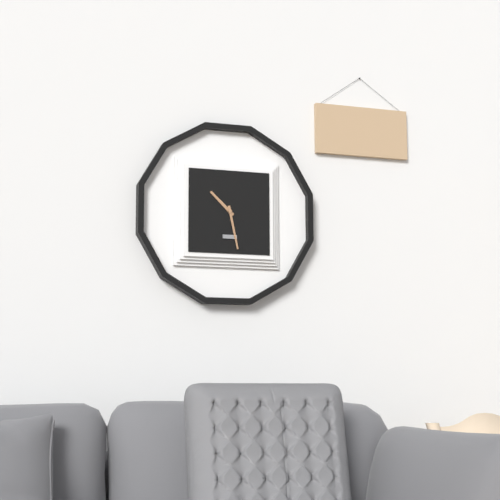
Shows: 10 h 28 min
